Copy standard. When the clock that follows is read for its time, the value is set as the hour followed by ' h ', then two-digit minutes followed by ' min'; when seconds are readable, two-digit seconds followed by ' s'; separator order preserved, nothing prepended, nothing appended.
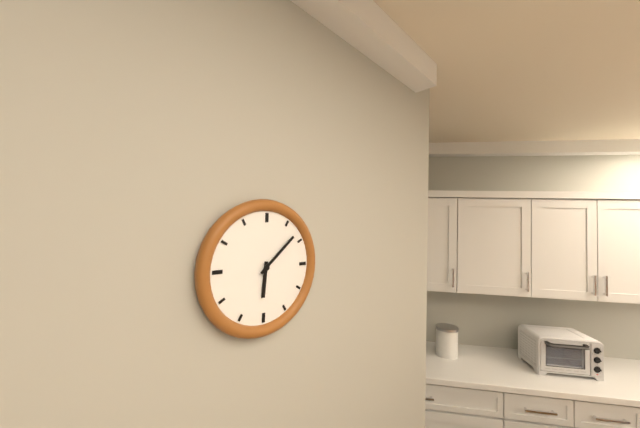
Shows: 6 h 08 min
